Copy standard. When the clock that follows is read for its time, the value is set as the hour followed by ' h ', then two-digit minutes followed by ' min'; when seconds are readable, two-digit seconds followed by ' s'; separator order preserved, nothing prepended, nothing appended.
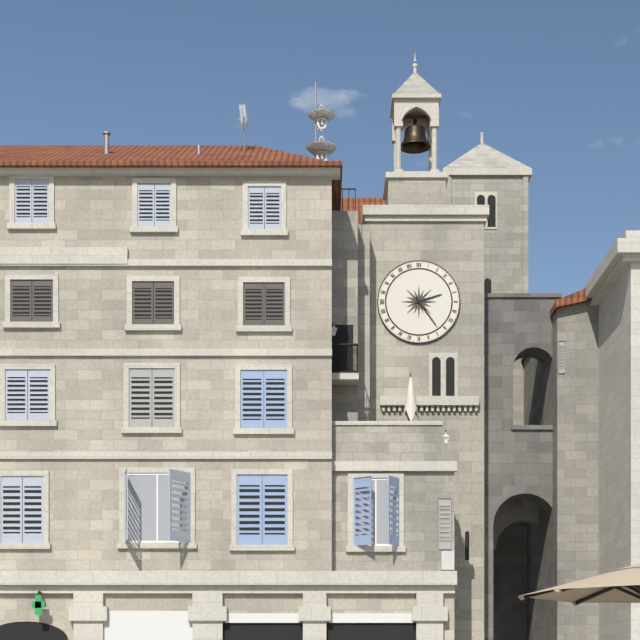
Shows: 2 h 24 min
